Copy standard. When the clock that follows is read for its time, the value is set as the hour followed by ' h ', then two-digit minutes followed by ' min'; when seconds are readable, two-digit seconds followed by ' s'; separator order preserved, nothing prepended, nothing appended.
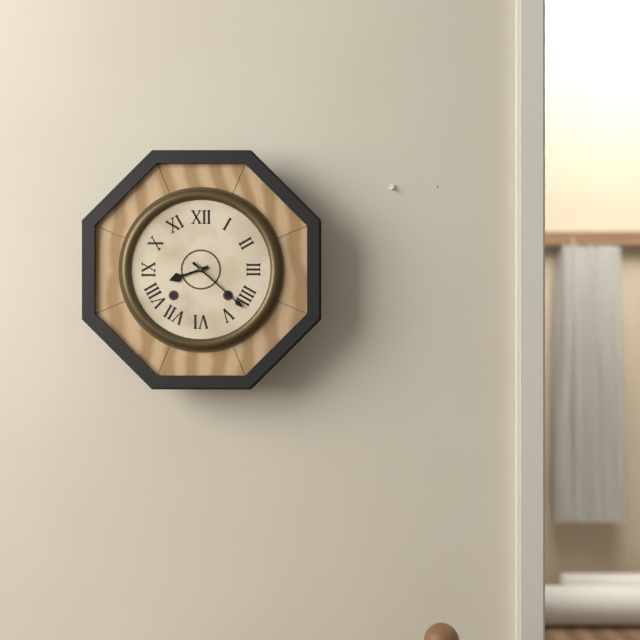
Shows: 8 h 22 min
